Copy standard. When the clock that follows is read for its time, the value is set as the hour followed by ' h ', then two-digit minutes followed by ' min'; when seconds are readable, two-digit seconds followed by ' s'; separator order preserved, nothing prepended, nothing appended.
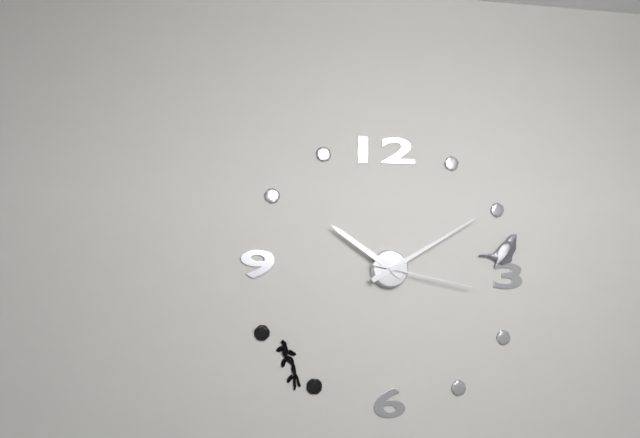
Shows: 10 h 10 min 17 s
